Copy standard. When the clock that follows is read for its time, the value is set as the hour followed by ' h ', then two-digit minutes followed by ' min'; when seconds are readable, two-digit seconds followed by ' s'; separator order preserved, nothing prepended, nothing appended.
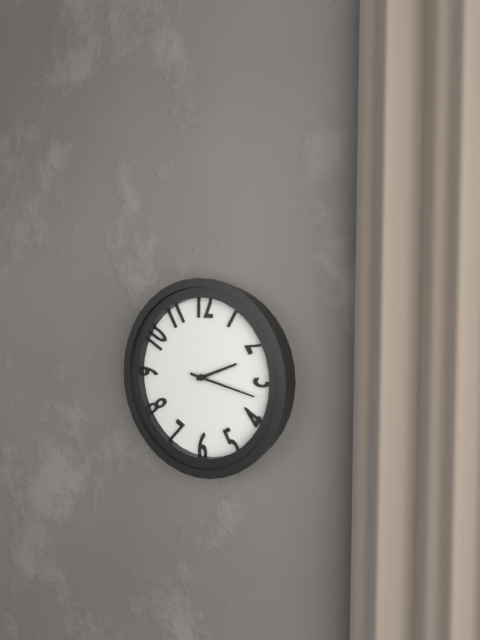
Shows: 2 h 17 min
